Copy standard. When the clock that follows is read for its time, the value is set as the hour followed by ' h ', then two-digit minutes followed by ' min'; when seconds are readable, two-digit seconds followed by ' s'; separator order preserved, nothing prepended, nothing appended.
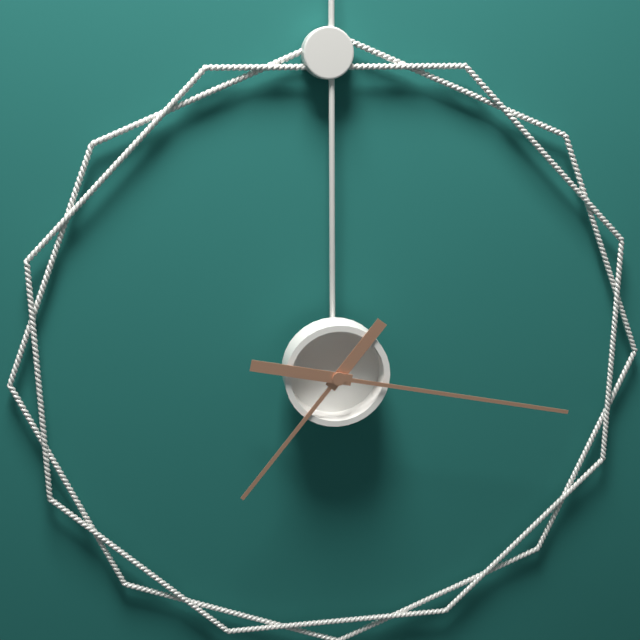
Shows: 7 h 17 min
